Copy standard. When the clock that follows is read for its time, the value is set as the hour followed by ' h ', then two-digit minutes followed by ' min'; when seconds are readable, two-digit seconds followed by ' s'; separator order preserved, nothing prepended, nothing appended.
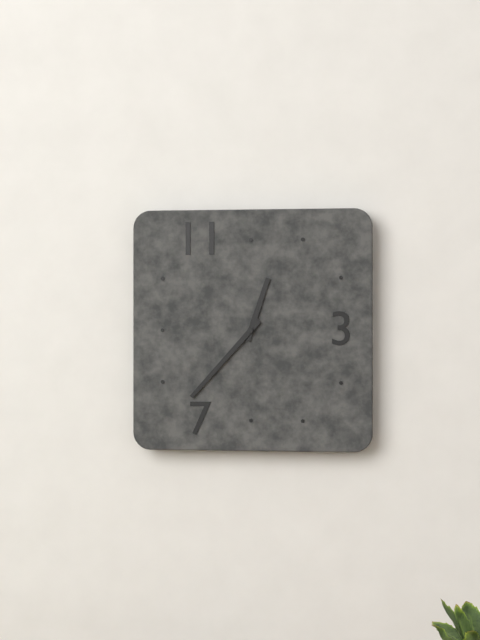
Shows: 12 h 37 min
